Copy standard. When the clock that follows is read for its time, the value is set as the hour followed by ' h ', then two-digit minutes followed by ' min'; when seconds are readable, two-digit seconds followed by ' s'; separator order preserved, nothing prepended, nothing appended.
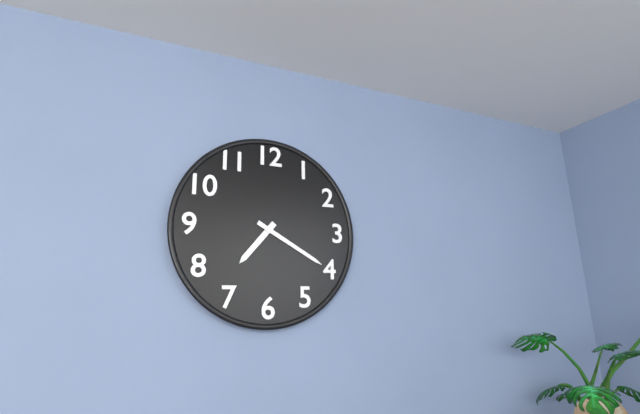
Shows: 7 h 20 min
